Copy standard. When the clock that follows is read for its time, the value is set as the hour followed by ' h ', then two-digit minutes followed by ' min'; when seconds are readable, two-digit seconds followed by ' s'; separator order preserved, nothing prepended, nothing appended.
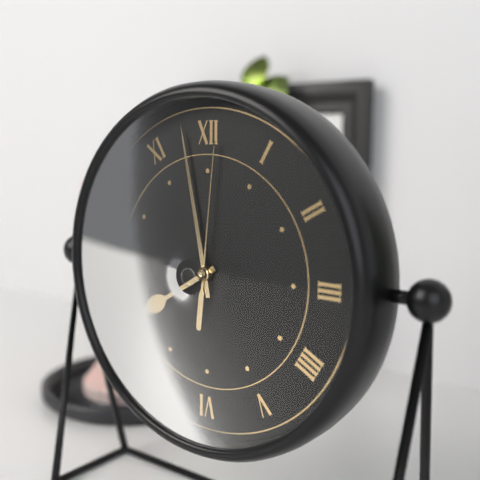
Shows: 7 h 58 min 01 s
